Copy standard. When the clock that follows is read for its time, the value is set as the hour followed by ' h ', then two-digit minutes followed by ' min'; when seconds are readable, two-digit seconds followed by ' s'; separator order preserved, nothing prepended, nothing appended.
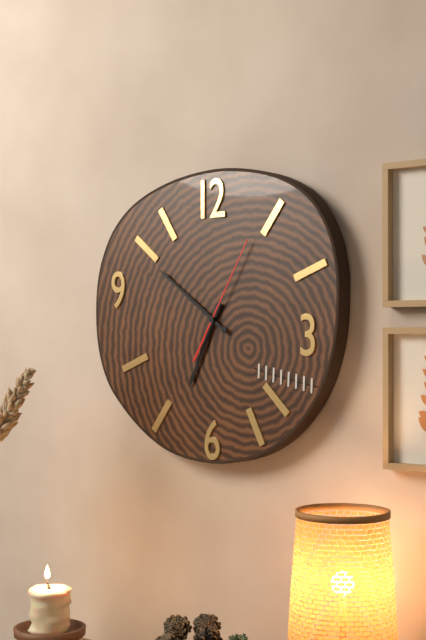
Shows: 6 h 51 min 05 s
